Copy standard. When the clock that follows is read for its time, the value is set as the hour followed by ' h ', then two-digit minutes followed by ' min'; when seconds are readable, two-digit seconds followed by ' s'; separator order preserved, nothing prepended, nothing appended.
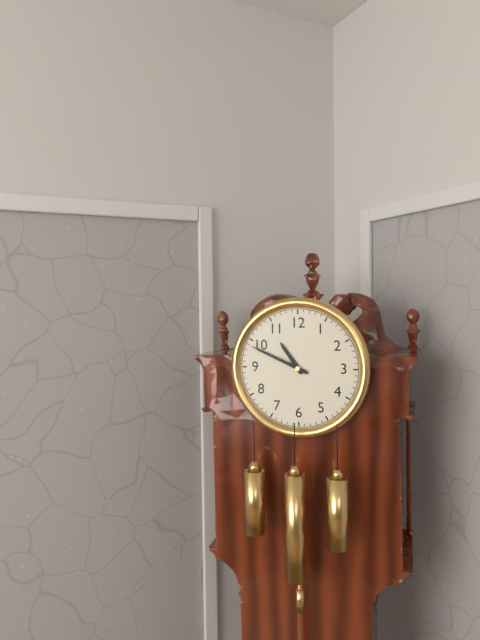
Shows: 10 h 49 min
